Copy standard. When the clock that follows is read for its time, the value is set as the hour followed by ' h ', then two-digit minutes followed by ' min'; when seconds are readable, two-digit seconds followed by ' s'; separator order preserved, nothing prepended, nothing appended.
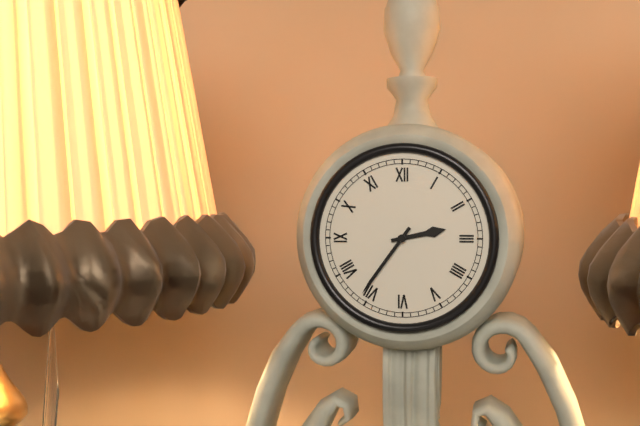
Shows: 2 h 36 min
